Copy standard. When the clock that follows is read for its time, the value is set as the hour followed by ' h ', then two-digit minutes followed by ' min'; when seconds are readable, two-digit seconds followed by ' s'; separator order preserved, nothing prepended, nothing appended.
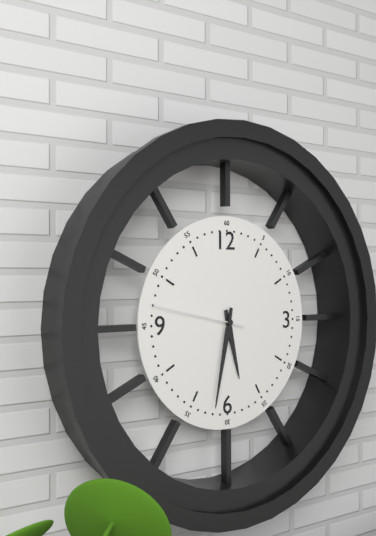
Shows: 5 h 32 min 47 s
